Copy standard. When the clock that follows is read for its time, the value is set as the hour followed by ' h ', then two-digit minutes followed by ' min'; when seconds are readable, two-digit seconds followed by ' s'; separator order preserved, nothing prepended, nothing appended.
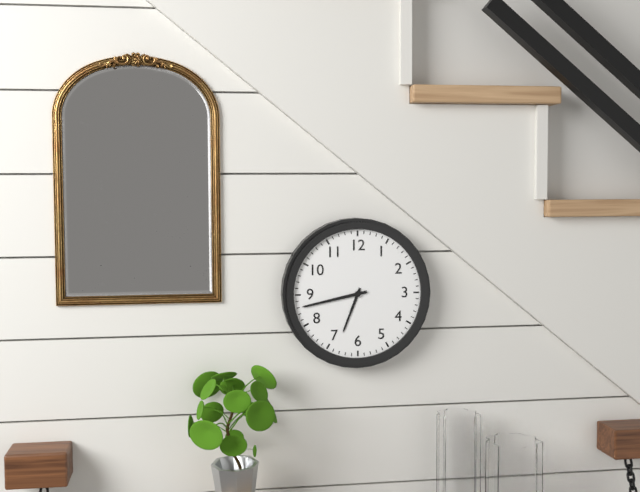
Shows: 6 h 43 min
